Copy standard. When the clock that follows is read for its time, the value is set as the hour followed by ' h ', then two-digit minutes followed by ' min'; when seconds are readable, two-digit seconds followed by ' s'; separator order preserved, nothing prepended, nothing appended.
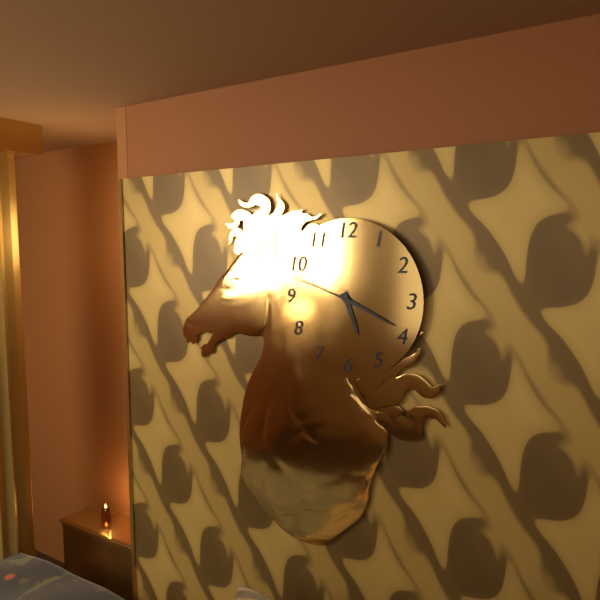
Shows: 5 h 19 min 48 s
